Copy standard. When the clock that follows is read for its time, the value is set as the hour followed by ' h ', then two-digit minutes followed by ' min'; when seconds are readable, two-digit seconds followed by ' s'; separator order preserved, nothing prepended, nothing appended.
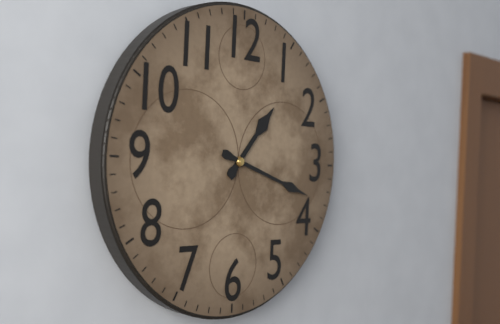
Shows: 1 h 18 min
